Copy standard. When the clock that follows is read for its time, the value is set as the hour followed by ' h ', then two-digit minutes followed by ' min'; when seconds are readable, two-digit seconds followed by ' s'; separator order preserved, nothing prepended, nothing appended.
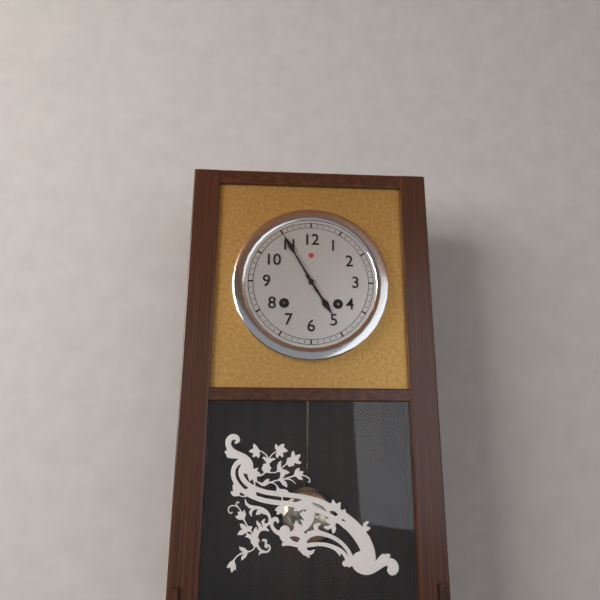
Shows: 4 h 55 min
